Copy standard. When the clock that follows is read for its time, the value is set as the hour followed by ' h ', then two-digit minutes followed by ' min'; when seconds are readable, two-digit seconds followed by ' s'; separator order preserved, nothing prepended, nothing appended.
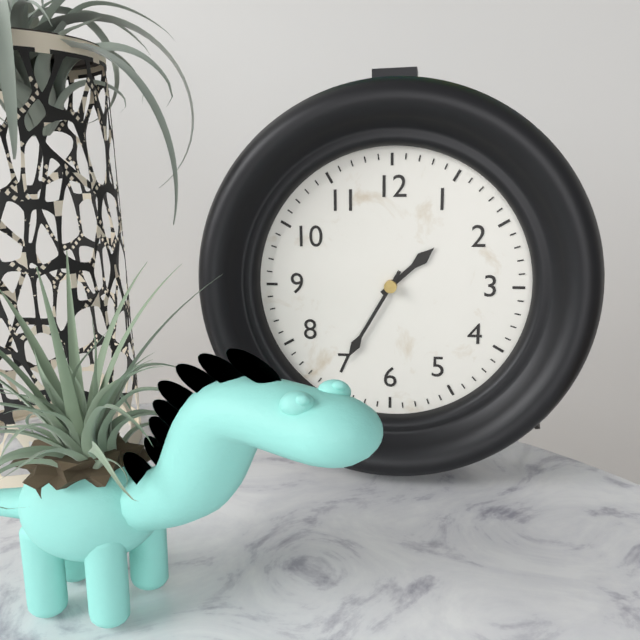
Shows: 1 h 35 min
